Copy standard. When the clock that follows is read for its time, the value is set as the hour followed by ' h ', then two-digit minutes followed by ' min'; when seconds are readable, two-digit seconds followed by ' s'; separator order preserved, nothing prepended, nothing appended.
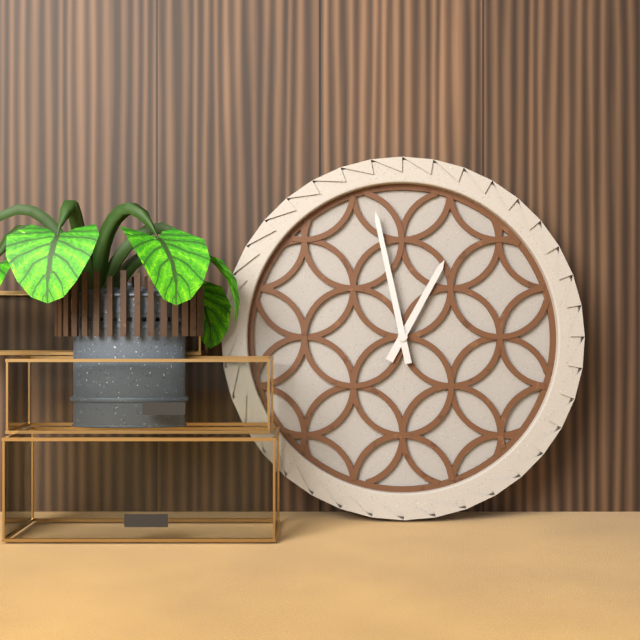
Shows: 12 h 58 min
